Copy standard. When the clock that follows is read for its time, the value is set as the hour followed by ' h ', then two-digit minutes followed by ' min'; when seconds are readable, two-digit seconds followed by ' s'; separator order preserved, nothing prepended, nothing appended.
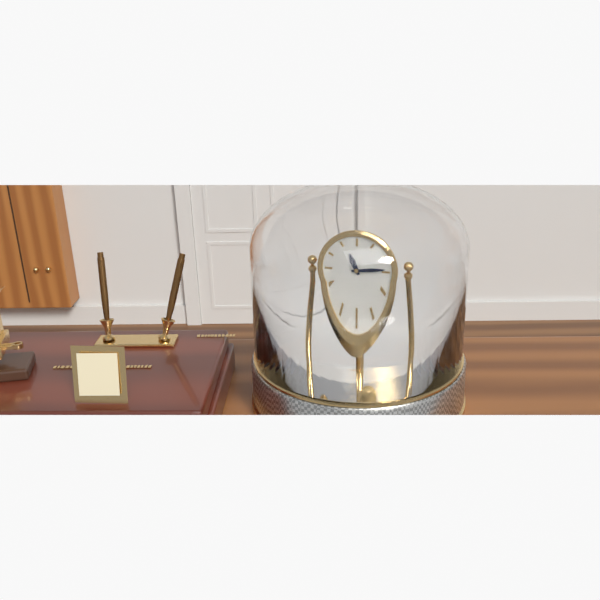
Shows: 11 h 14 min
